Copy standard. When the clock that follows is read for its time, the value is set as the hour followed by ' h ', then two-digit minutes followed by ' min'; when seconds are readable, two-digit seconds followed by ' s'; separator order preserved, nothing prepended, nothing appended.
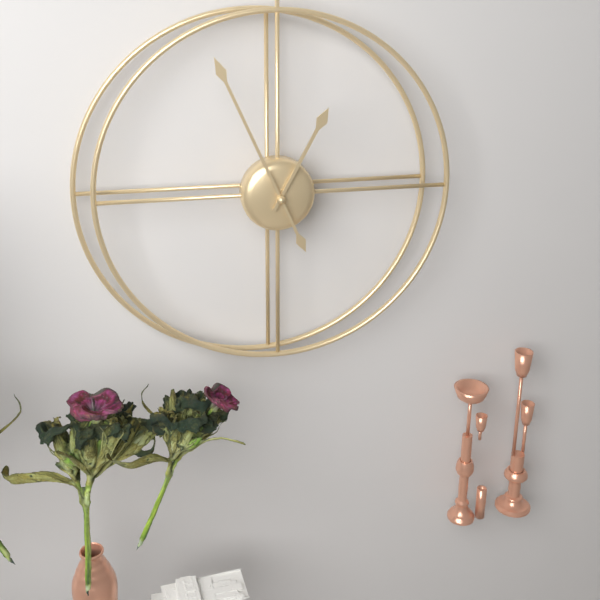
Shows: 12 h 56 min
